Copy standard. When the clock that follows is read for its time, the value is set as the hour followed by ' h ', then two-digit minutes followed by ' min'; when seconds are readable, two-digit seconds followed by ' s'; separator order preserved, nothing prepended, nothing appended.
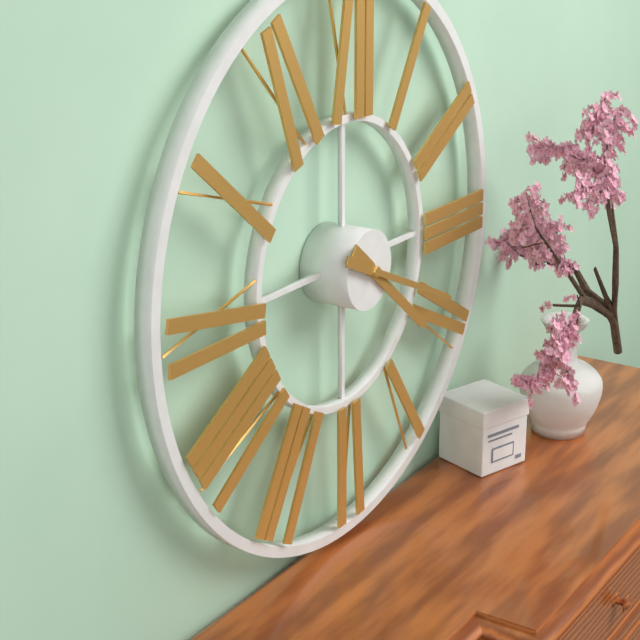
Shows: 4 h 19 min
